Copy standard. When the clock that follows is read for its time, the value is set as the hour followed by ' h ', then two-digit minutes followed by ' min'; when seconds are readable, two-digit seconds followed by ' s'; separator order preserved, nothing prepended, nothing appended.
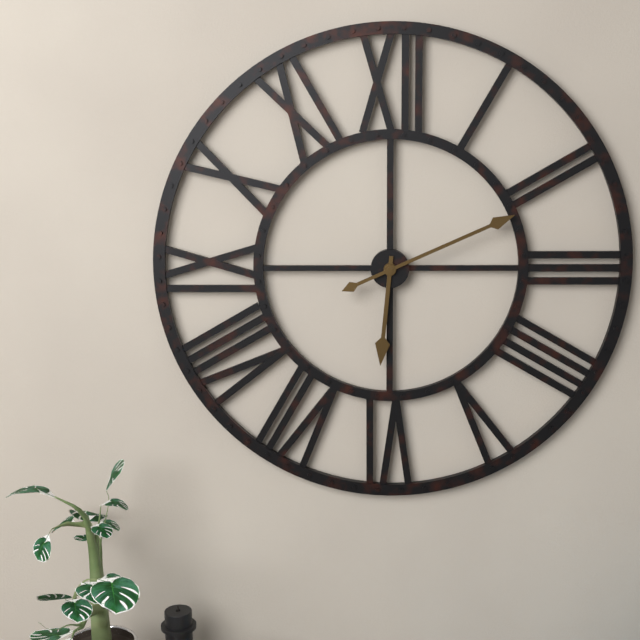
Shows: 6 h 11 min
